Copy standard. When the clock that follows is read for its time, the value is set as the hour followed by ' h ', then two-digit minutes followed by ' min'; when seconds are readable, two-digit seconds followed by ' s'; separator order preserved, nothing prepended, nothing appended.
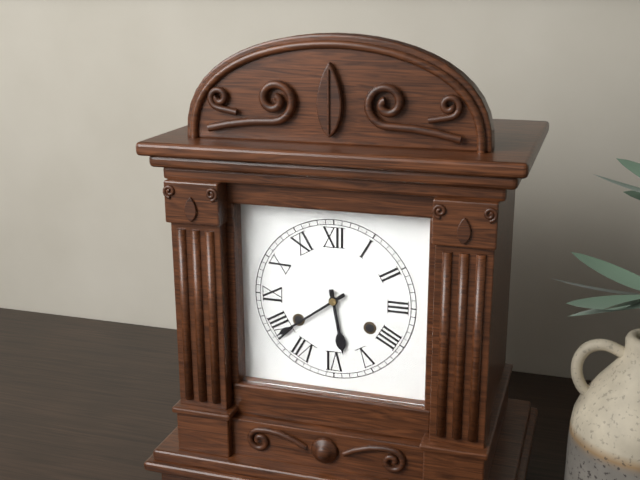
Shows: 5 h 39 min
